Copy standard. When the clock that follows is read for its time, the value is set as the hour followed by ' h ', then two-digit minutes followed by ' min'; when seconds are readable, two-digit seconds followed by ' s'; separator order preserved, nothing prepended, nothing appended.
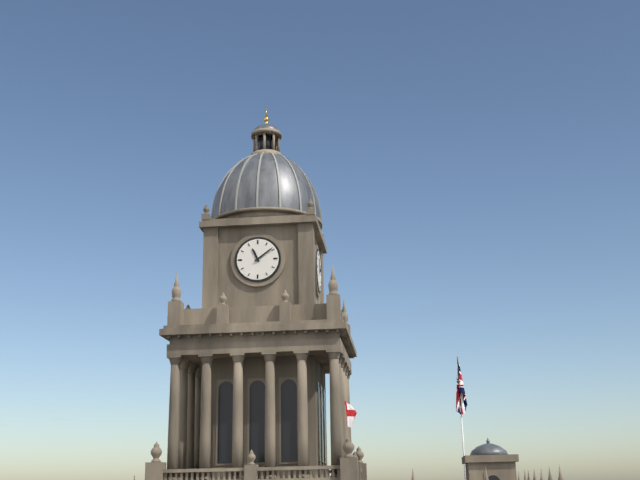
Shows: 11 h 09 min
